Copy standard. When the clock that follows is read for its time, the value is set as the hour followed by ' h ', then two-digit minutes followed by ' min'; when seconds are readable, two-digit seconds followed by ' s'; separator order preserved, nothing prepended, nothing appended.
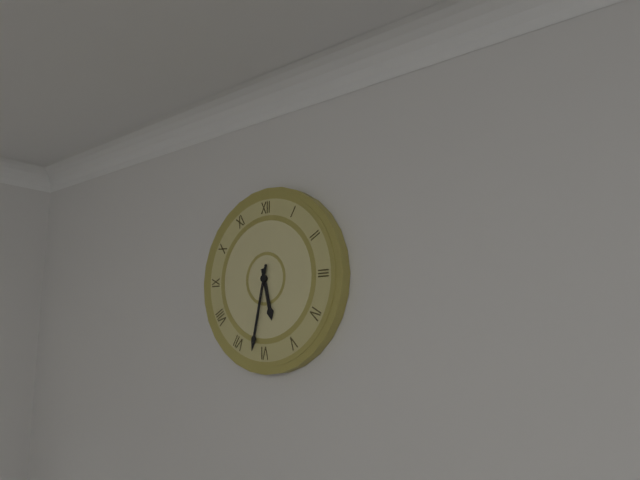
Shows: 5 h 32 min
